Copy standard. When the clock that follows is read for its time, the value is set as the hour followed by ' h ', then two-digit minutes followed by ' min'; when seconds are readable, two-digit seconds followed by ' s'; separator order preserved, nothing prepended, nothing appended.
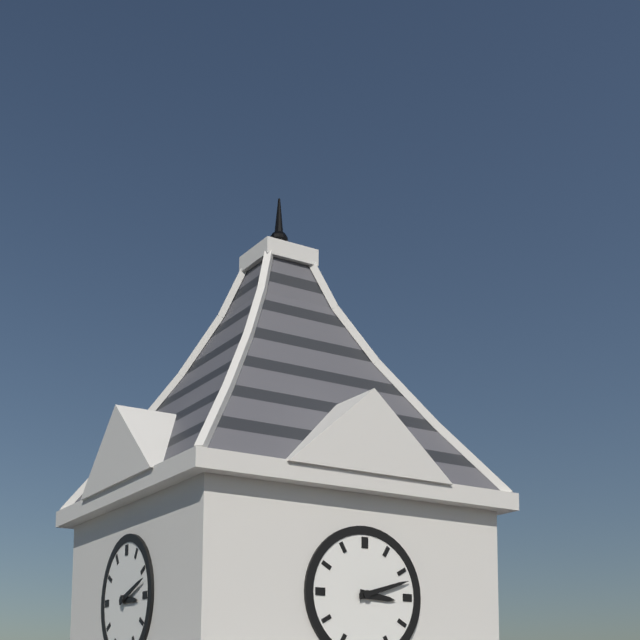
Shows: 3 h 12 min
